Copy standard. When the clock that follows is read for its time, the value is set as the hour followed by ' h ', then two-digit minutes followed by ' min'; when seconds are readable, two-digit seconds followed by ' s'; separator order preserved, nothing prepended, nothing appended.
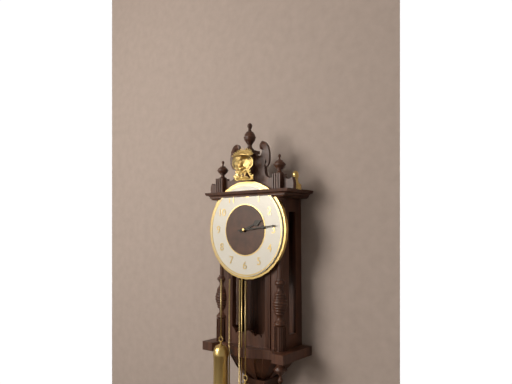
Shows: 2 h 14 min
